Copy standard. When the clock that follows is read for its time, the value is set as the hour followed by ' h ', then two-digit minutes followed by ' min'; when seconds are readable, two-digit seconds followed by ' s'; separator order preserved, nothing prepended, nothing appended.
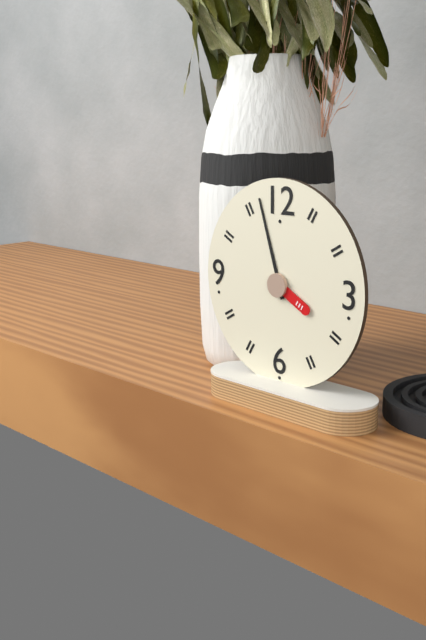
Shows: 3 h 57 min
